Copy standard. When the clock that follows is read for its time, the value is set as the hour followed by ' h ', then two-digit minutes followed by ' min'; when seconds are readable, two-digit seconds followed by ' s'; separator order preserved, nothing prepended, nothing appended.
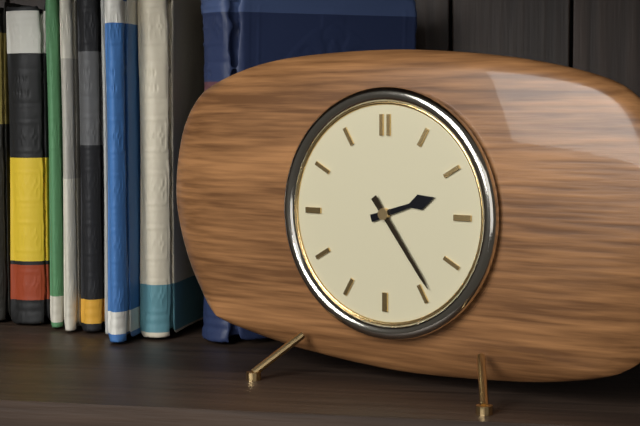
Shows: 2 h 24 min
